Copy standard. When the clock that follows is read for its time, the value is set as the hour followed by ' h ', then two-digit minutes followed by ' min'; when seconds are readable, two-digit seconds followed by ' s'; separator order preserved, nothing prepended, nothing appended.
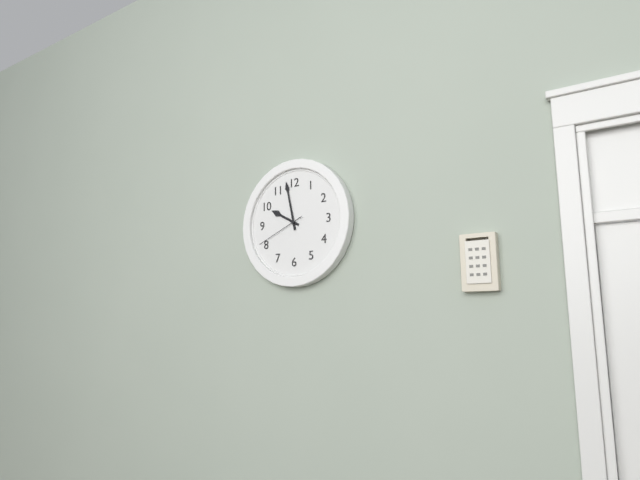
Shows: 9 h 58 min 41 s
